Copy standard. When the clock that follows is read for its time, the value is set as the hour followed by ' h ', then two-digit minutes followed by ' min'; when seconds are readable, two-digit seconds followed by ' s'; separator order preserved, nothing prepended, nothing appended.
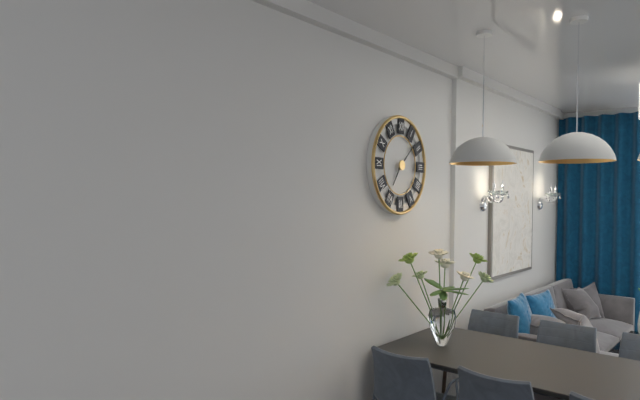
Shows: 7 h 08 min
